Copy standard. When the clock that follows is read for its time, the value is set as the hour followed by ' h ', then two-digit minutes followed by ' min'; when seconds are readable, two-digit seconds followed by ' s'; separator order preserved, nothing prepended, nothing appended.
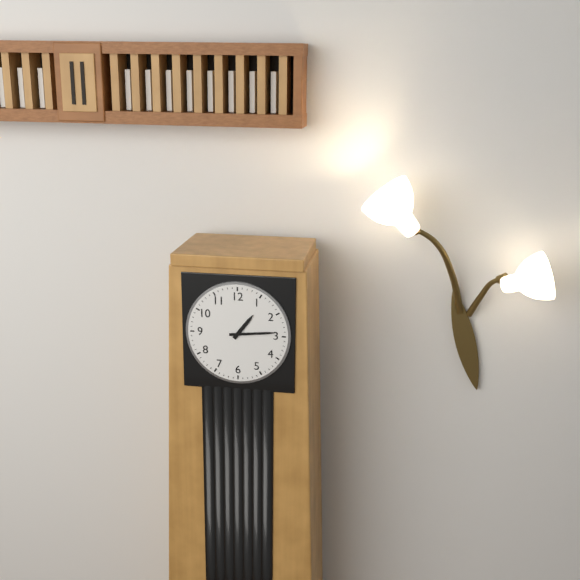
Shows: 1 h 14 min
